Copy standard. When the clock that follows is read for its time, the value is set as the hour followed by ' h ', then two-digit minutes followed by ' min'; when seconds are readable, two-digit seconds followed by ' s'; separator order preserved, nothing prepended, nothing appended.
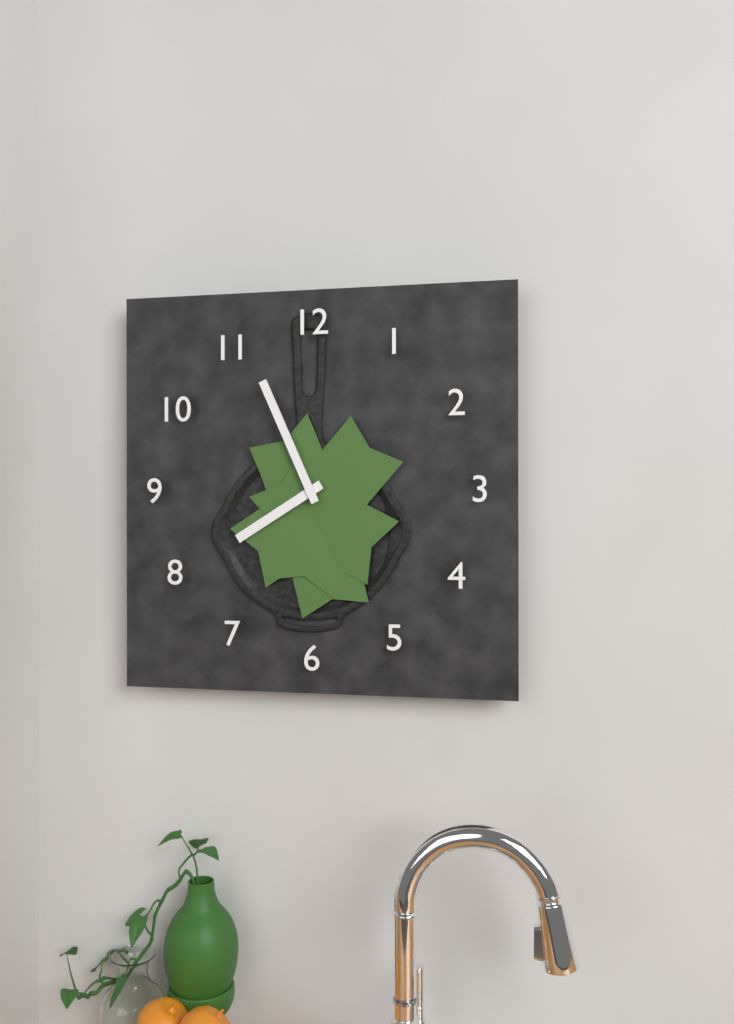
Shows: 7 h 56 min
